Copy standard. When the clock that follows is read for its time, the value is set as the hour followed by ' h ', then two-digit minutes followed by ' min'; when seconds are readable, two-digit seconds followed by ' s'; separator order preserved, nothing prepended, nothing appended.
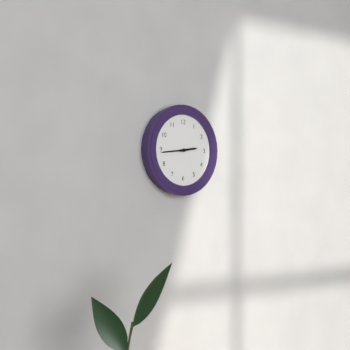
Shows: 2 h 44 min
